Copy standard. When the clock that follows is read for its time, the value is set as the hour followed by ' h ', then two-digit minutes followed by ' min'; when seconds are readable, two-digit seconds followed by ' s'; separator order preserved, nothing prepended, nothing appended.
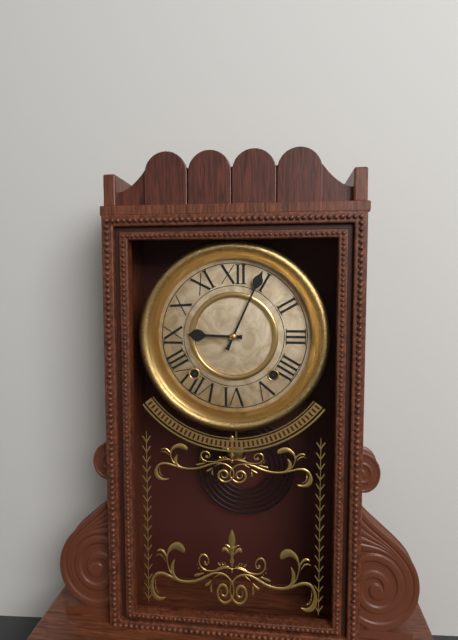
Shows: 9 h 04 min
